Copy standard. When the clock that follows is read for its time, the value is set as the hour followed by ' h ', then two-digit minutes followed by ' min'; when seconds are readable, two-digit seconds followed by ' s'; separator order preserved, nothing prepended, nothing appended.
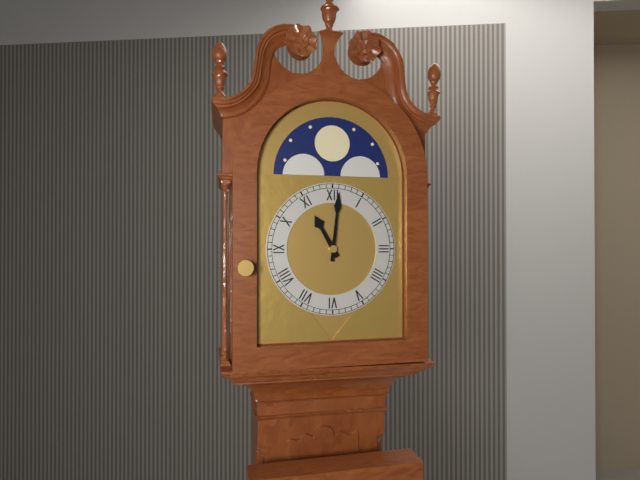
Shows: 11 h 01 min
